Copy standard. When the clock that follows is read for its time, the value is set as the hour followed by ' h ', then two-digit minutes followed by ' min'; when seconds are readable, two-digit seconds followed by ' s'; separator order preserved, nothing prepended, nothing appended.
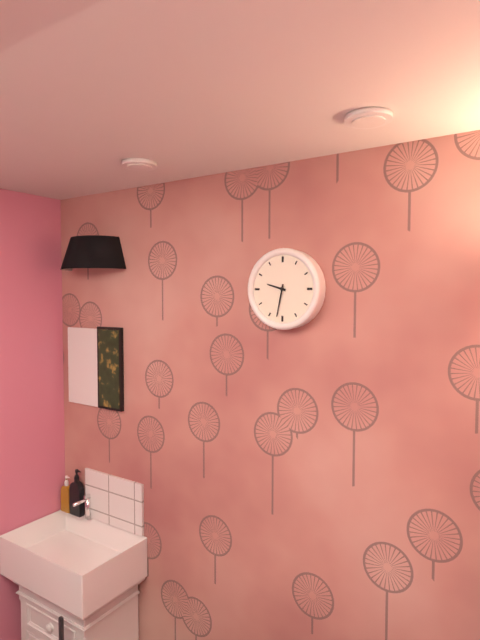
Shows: 9 h 32 min
